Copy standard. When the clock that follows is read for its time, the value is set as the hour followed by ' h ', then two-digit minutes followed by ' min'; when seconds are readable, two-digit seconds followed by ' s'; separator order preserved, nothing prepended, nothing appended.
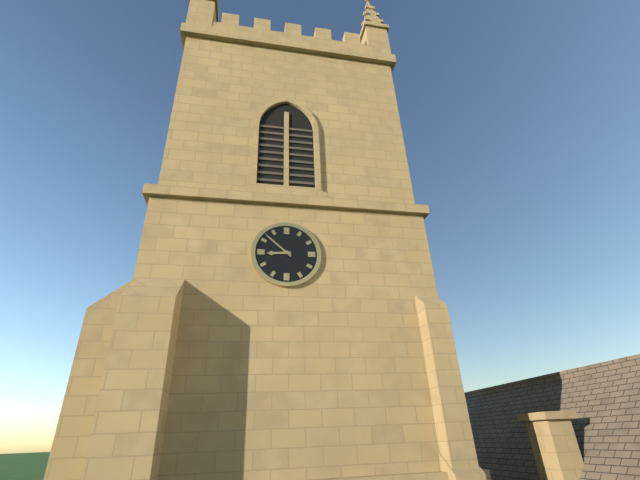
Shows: 8 h 52 min
